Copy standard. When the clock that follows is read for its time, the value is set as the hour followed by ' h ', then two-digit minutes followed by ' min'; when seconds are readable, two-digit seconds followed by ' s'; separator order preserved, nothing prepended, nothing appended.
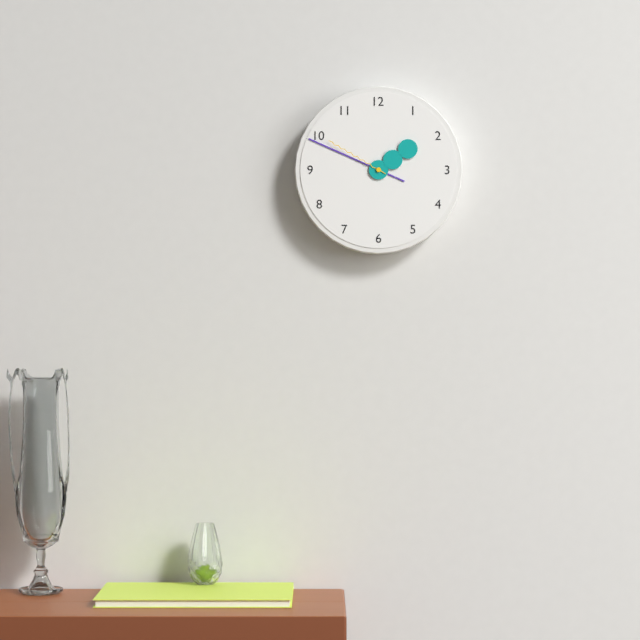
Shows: 1 h 49 min 50 s
